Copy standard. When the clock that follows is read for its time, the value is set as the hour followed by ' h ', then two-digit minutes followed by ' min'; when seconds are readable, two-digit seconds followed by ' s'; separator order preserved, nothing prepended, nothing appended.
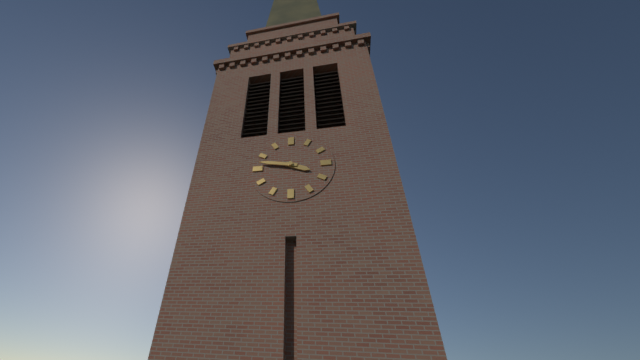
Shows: 3 h 47 min
